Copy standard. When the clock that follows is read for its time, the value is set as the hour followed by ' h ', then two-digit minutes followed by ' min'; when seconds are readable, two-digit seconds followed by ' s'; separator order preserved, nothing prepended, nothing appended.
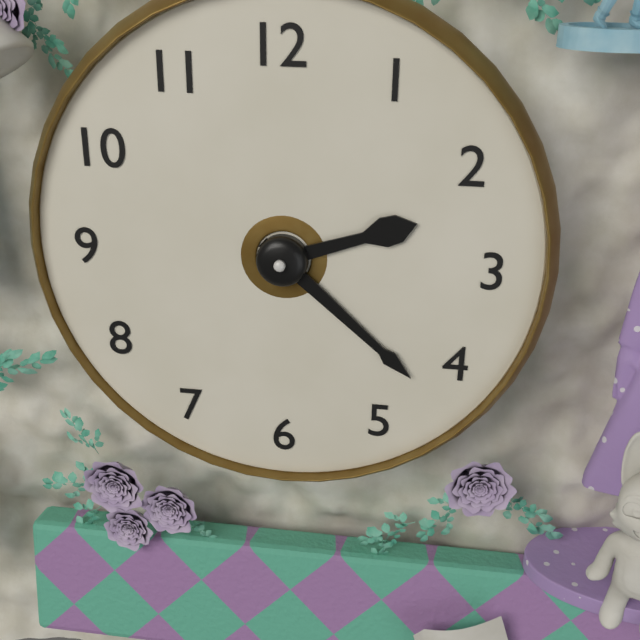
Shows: 2 h 22 min
